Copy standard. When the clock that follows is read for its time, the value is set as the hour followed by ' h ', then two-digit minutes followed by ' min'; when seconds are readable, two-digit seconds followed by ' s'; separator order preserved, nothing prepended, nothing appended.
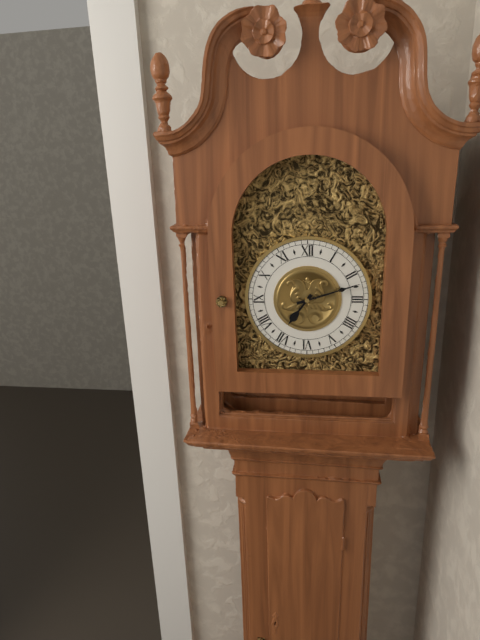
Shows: 7 h 12 min
